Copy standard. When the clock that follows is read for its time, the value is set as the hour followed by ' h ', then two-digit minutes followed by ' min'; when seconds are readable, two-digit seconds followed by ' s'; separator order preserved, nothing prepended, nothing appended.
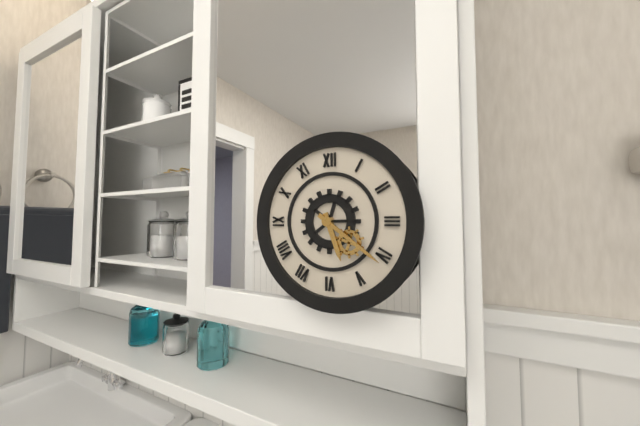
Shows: 5 h 21 min
